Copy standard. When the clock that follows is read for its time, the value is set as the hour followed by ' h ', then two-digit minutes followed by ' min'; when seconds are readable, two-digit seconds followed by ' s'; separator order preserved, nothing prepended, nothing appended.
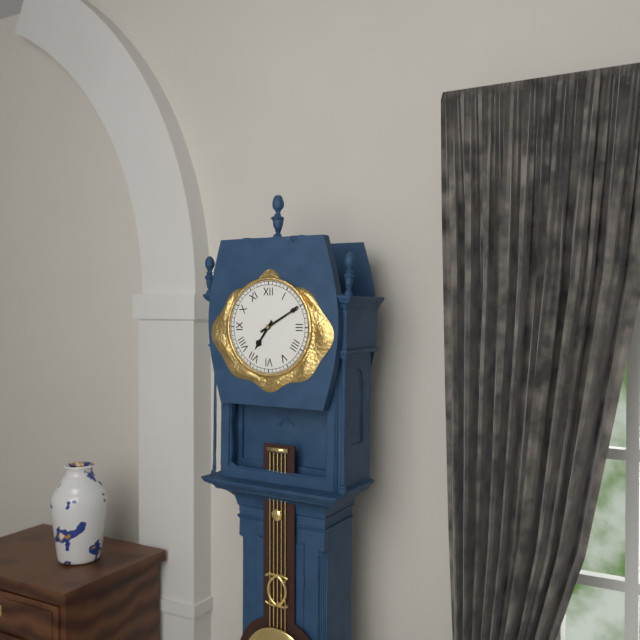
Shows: 7 h 10 min
